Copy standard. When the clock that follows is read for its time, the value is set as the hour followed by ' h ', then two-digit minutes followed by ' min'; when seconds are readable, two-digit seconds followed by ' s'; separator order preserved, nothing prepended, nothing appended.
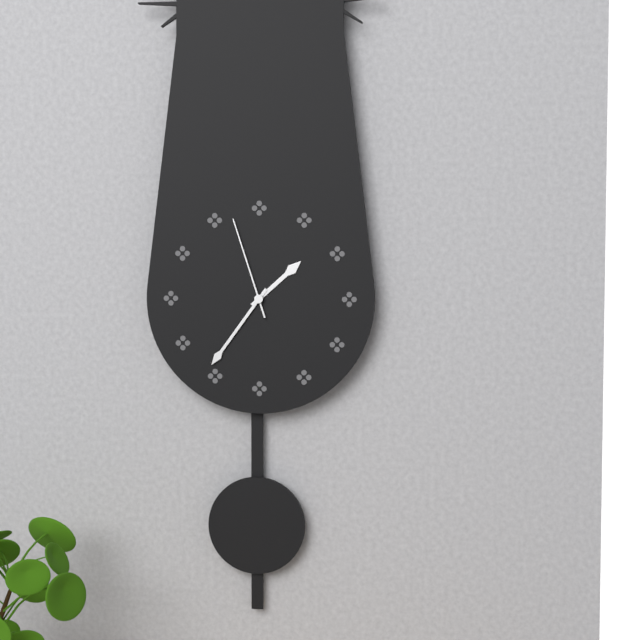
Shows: 1 h 36 min 57 s
